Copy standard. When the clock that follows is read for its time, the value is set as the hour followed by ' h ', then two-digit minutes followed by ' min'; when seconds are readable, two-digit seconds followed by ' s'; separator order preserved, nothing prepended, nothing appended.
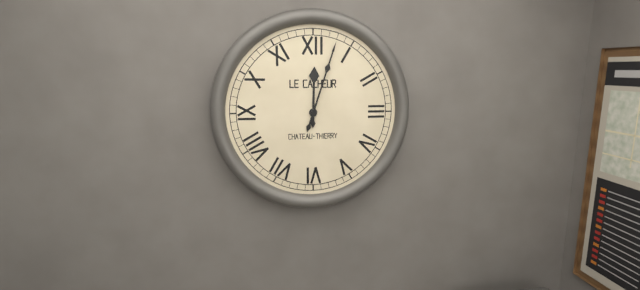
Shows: 12 h 03 min
